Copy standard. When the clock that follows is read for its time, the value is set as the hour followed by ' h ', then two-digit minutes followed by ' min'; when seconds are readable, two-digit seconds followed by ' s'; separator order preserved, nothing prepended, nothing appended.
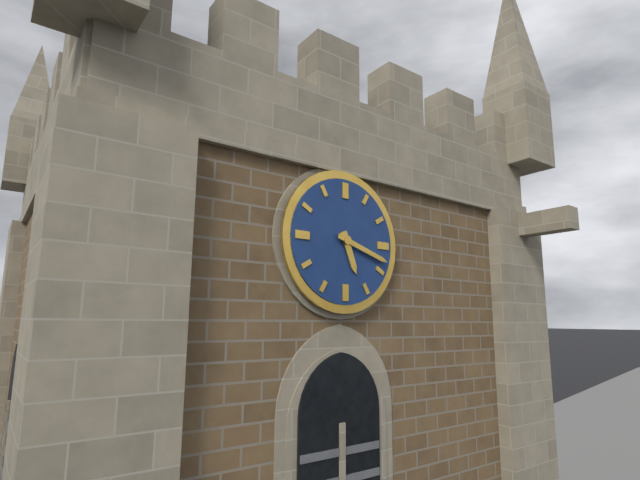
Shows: 5 h 18 min
